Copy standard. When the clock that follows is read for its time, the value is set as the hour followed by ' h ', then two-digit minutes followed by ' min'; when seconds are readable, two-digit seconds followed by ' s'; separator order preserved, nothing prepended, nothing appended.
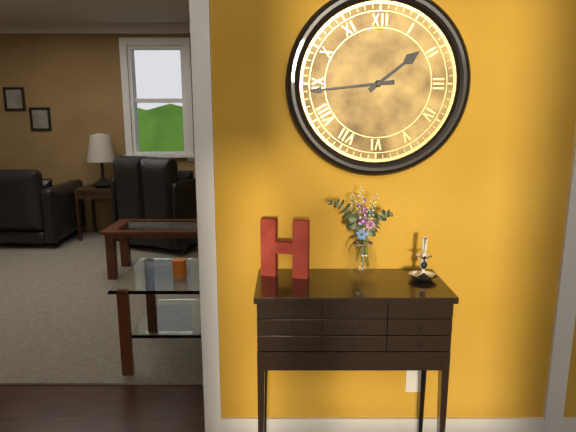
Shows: 1 h 44 min
